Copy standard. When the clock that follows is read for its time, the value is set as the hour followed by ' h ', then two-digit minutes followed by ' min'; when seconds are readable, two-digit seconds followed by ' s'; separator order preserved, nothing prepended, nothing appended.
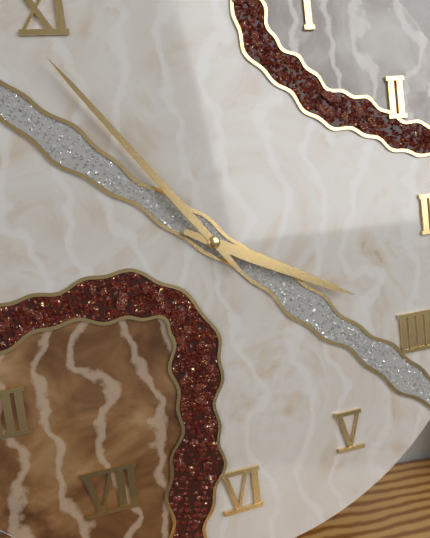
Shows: 3 h 54 min
